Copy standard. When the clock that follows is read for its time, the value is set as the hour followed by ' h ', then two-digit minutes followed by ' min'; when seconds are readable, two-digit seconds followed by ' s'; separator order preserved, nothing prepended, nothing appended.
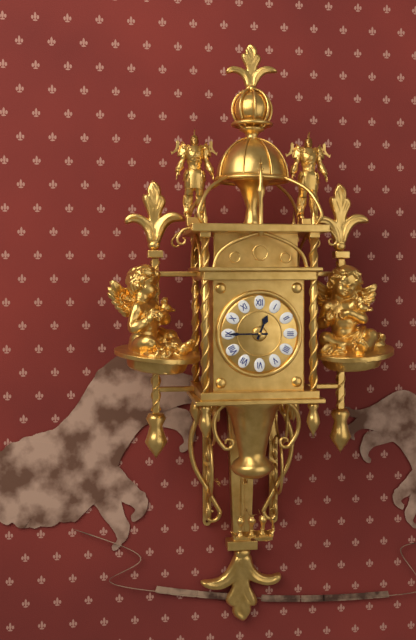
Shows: 12 h 45 min
